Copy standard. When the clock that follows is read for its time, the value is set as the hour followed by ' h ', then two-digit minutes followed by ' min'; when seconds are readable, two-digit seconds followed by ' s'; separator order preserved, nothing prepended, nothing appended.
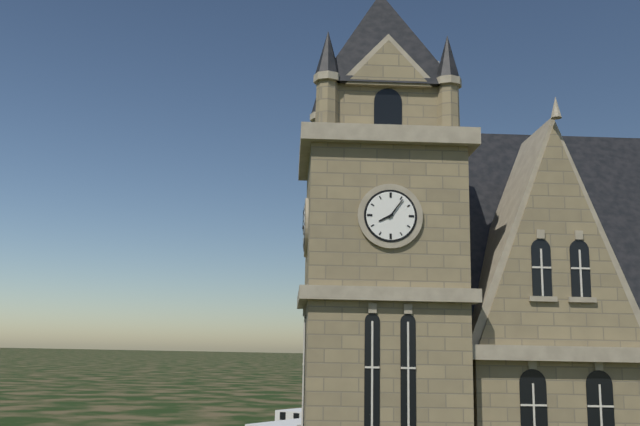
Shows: 8 h 06 min
